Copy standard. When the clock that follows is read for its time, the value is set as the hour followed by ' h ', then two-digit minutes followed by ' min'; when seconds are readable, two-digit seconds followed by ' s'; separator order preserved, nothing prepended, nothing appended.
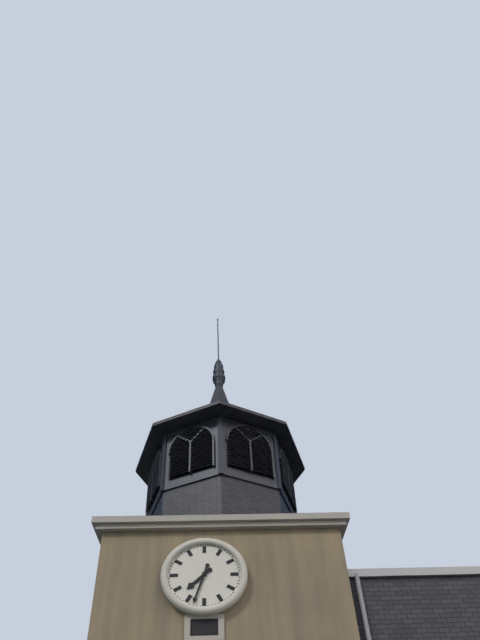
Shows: 7 h 33 min
